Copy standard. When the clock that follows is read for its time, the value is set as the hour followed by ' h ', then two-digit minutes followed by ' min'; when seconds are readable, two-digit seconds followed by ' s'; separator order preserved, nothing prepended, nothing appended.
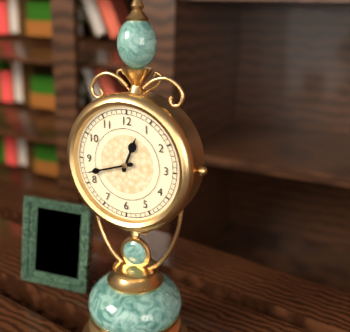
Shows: 12 h 42 min
